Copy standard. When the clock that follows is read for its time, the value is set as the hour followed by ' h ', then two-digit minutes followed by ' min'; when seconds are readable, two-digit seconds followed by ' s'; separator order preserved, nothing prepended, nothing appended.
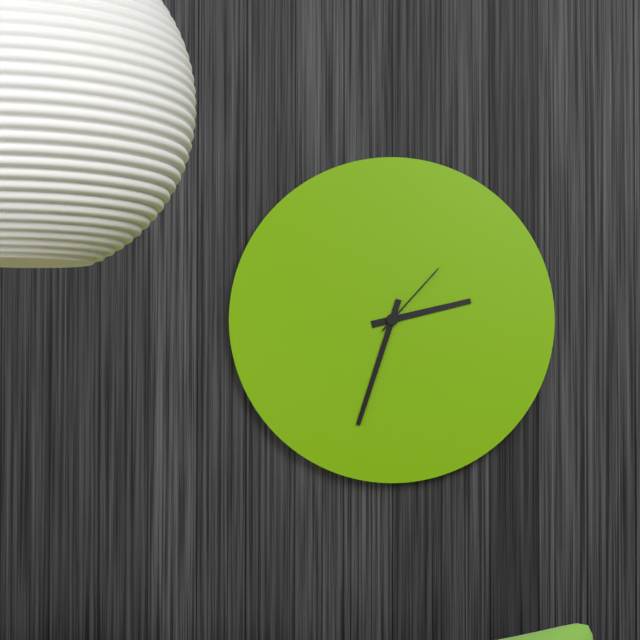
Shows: 2 h 33 min 07 s
